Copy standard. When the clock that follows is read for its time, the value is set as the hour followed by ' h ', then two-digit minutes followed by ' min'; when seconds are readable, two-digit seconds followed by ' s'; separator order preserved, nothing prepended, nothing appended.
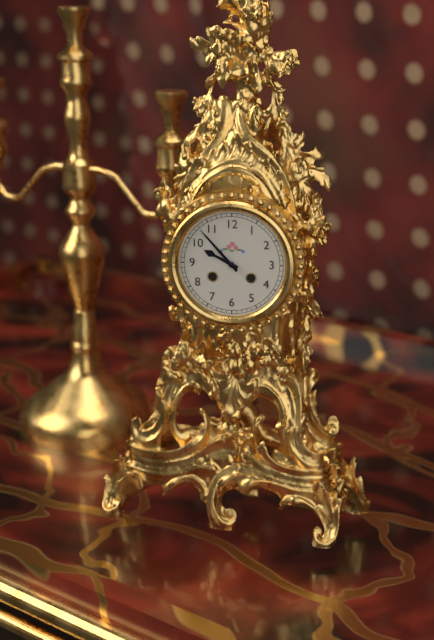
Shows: 9 h 53 min
